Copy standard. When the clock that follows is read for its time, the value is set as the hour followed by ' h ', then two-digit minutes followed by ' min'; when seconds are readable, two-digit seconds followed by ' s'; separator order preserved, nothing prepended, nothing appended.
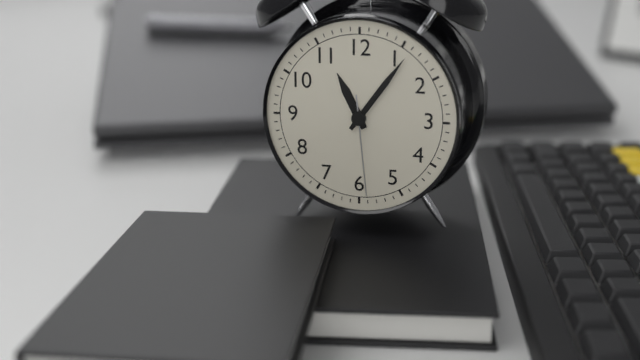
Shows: 11 h 06 min 29 s
